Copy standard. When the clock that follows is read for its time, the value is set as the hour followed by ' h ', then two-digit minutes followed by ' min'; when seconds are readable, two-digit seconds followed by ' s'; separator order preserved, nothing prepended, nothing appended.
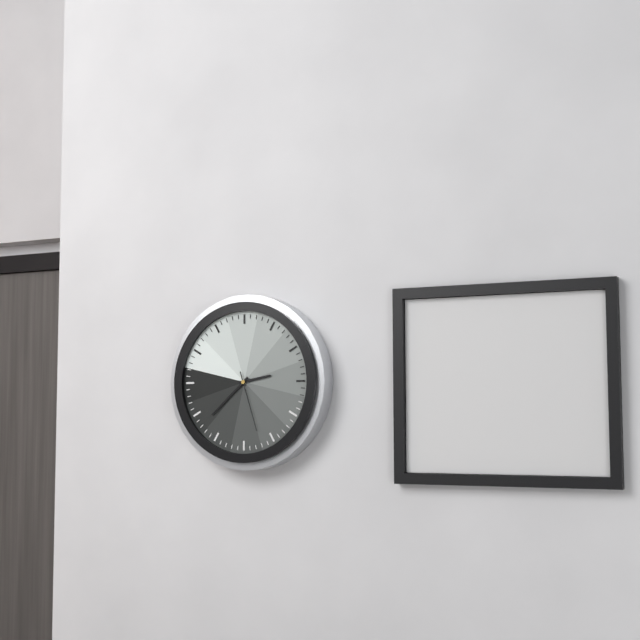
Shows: 2 h 38 min 27 s
